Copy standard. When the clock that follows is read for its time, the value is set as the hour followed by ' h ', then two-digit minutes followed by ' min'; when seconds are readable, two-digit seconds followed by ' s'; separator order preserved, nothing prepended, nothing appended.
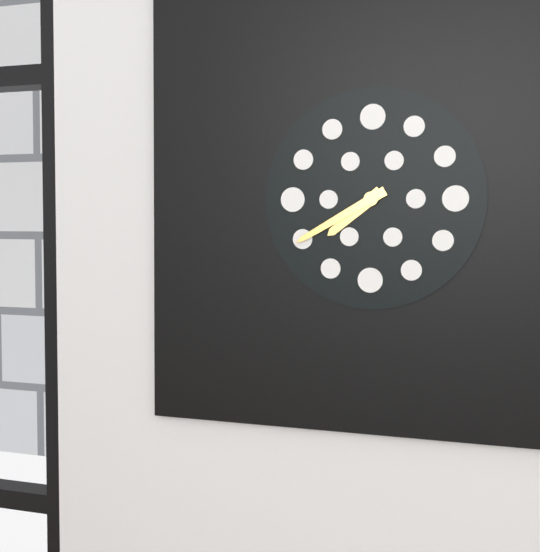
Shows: 7 h 40 min
